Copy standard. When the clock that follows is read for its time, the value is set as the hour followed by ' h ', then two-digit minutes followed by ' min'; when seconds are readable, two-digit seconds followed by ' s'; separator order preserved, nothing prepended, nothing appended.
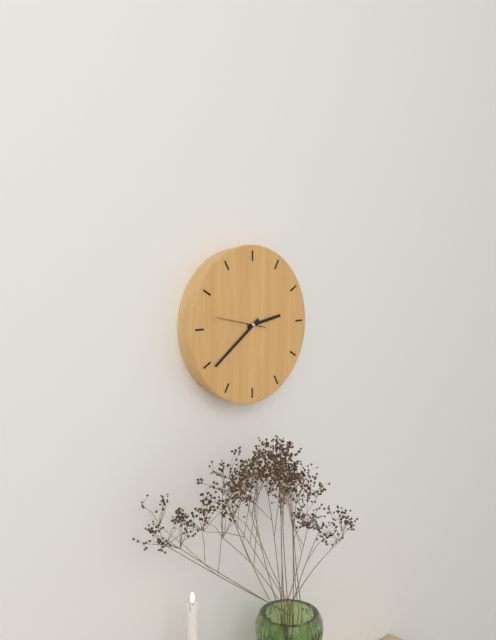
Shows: 2 h 39 min
